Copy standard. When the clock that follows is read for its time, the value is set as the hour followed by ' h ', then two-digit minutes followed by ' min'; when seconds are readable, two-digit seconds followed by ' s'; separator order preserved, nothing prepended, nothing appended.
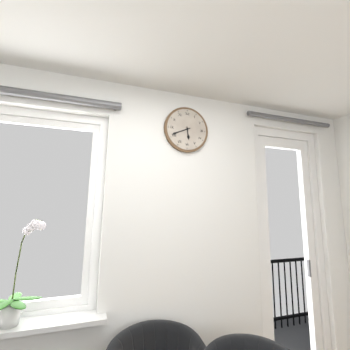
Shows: 5 h 41 min
